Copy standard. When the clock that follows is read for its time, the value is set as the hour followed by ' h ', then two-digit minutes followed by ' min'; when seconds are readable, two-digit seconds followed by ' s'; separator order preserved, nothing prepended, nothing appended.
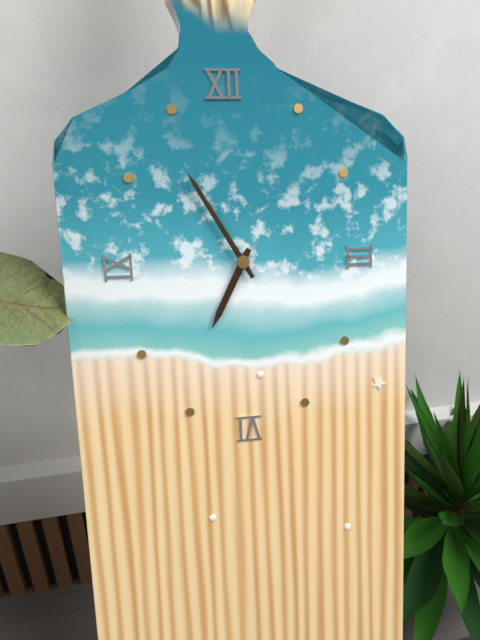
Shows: 6 h 55 min
